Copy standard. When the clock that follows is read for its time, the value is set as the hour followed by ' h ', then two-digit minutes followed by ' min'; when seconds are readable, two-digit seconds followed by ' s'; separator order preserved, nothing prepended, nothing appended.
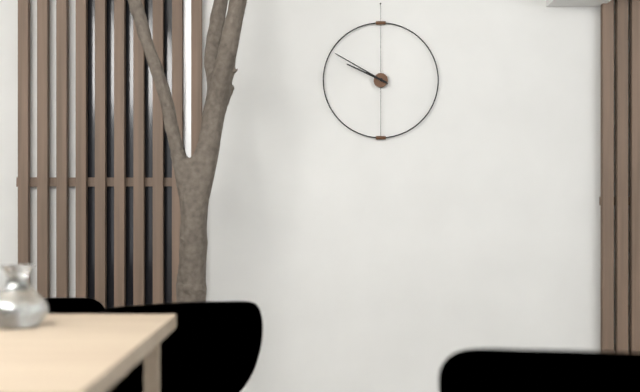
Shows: 9 h 50 min
